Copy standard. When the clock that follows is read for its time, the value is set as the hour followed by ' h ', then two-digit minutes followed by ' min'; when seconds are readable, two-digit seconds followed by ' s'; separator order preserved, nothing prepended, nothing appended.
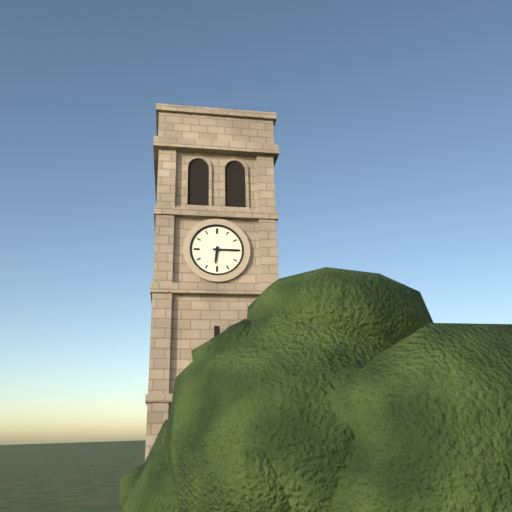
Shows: 6 h 15 min
